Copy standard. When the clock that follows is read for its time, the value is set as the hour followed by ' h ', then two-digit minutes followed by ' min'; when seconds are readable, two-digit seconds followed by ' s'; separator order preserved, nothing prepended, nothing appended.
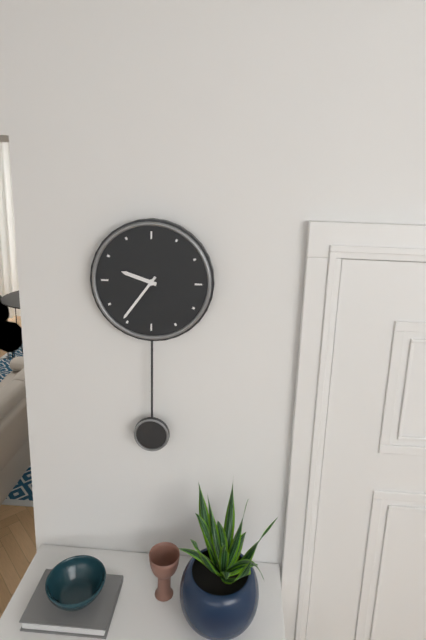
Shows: 9 h 36 min
